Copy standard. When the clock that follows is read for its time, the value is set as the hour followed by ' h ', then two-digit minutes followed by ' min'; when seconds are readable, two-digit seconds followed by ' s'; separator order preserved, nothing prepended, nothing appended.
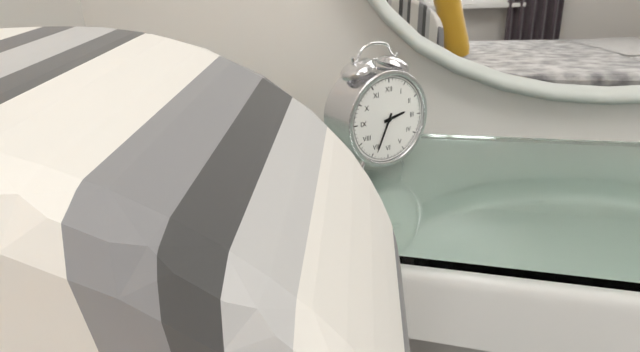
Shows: 2 h 34 min
